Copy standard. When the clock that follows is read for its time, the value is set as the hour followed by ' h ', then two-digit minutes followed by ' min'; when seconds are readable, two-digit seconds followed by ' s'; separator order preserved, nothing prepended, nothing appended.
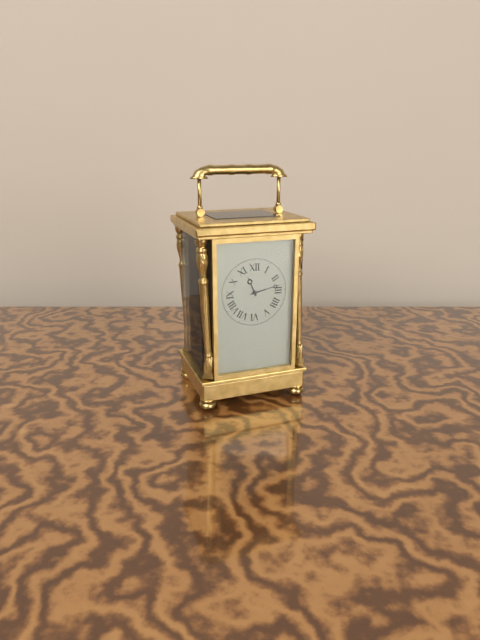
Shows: 11 h 13 min
